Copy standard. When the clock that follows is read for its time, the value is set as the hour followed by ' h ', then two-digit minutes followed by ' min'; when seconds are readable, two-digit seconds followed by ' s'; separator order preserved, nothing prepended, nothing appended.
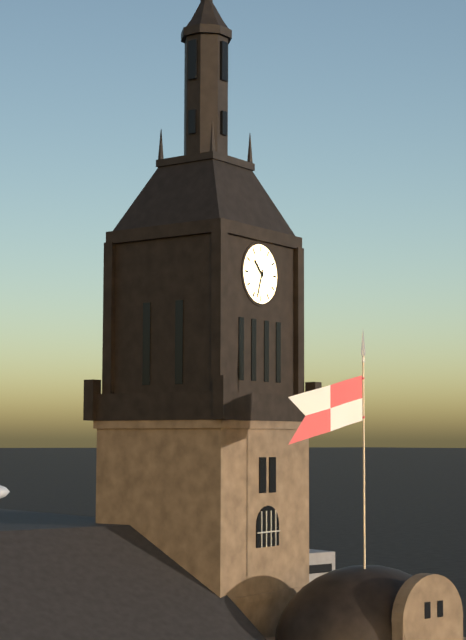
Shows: 10 h 33 min
